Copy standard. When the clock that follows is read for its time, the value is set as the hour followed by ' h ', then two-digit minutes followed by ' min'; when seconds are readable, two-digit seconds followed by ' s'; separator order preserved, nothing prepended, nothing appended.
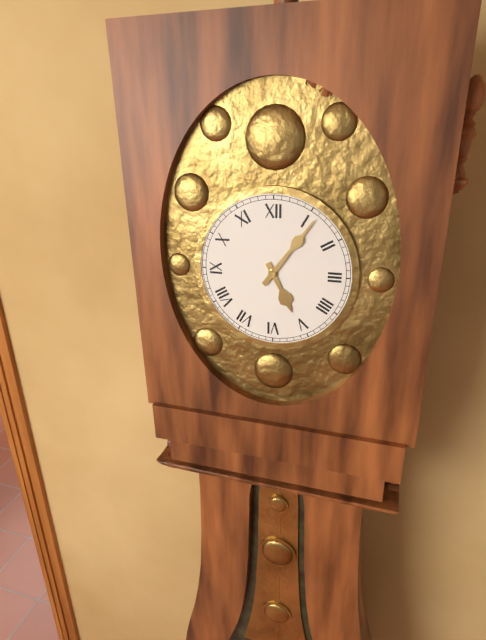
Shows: 5 h 06 min
